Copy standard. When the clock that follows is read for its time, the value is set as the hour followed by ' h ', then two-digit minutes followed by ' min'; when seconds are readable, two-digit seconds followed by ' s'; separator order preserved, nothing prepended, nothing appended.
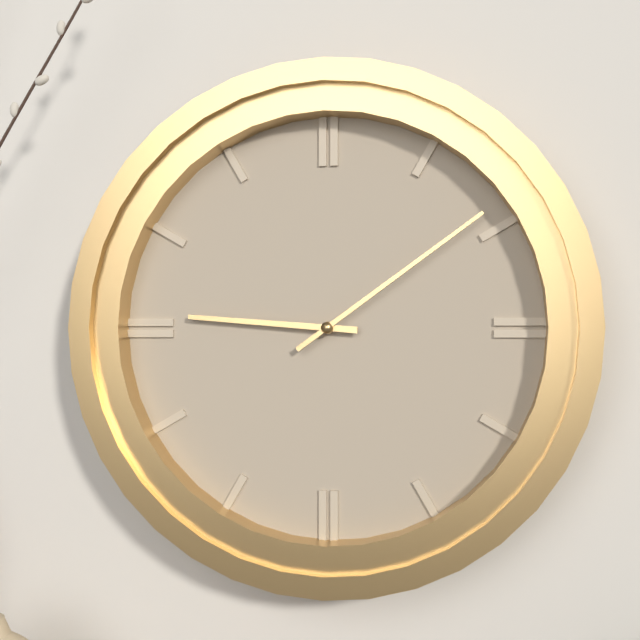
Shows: 9 h 09 min
